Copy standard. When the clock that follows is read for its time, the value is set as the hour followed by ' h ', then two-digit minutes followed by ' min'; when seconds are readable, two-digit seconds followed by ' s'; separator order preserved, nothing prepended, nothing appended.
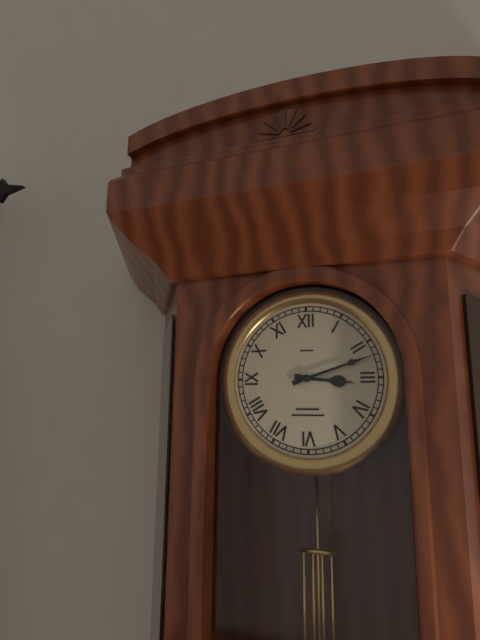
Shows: 3 h 12 min
